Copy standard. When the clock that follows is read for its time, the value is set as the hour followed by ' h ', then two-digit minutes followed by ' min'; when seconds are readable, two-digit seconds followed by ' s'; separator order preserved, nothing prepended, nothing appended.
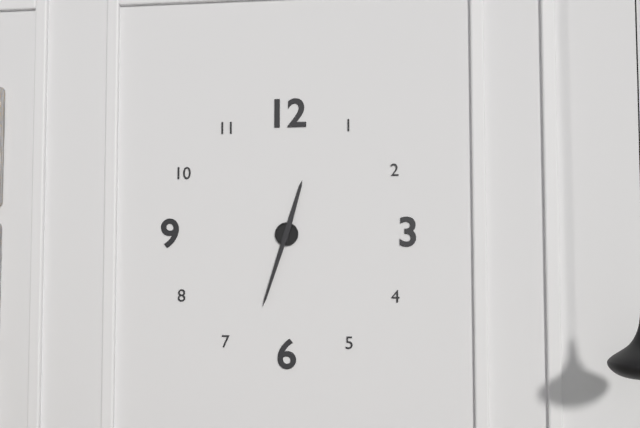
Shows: 12 h 33 min
